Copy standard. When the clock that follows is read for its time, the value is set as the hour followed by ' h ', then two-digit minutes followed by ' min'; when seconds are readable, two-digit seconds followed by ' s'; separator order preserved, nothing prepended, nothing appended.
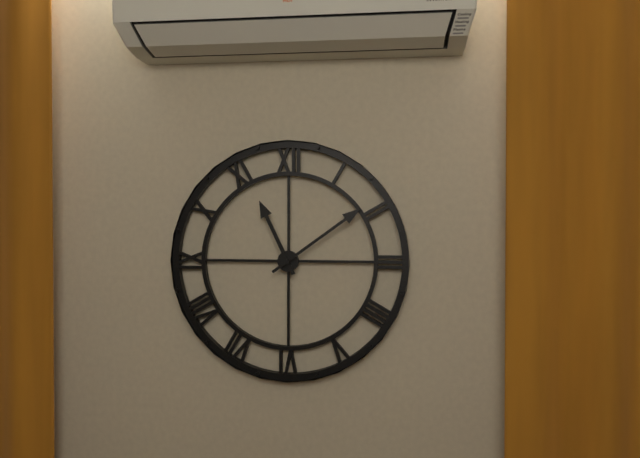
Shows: 11 h 09 min
